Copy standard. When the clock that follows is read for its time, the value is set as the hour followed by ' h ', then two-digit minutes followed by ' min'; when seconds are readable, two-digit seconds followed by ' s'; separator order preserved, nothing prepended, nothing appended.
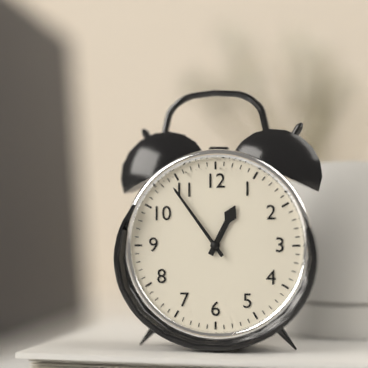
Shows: 12 h 54 min
